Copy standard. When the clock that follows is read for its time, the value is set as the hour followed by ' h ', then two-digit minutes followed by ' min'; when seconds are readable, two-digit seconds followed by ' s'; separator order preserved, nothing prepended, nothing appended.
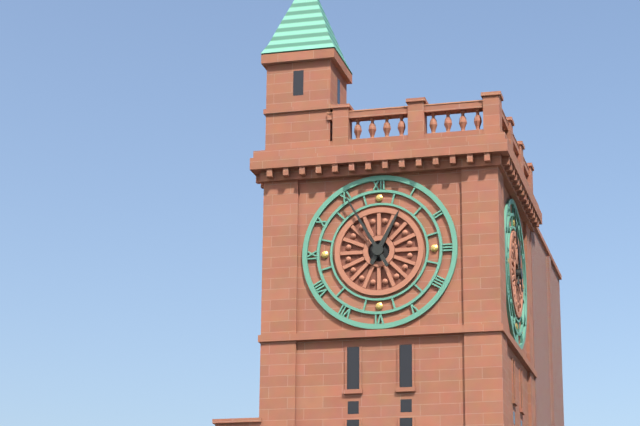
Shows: 12 h 55 min
